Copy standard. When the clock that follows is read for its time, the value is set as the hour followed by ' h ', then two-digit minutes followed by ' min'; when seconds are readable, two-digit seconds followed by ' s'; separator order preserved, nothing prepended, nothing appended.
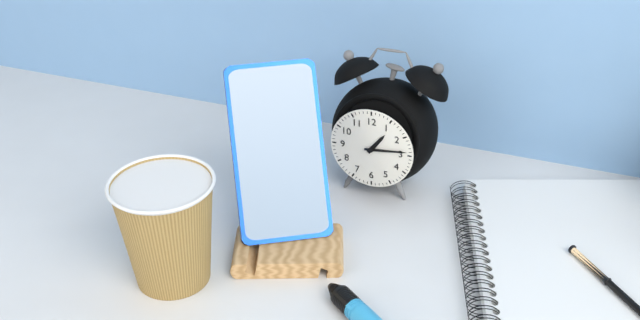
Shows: 1 h 14 min
